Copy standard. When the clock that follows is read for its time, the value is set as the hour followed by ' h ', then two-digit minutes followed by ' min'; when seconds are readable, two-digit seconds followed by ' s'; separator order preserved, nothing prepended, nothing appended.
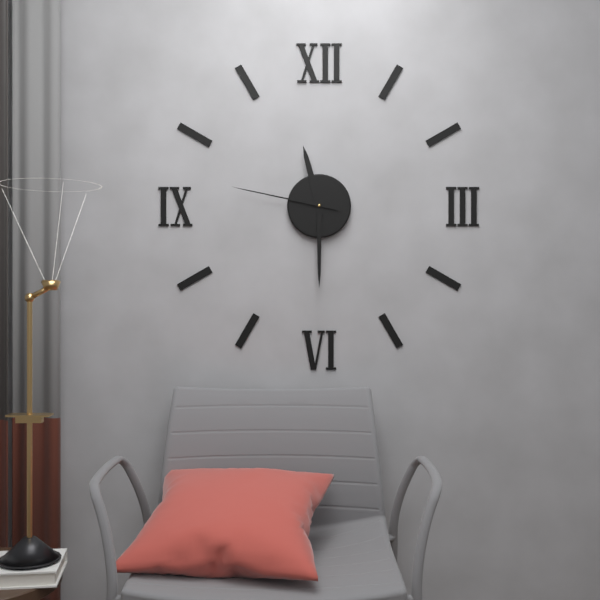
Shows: 11 h 30 min 47 s
